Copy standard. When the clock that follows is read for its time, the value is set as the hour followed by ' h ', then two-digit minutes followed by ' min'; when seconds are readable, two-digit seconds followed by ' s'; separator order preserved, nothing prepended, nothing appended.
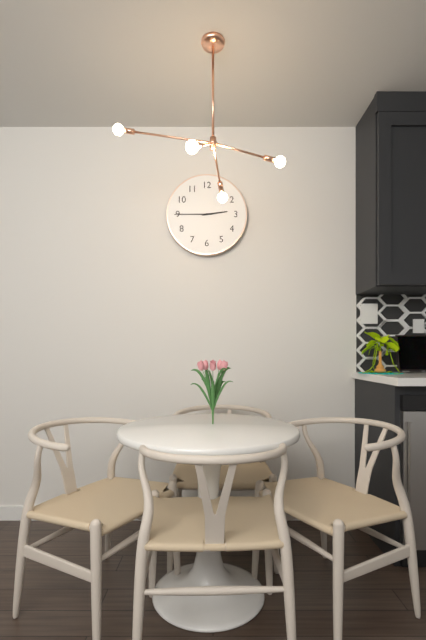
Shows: 2 h 45 min
